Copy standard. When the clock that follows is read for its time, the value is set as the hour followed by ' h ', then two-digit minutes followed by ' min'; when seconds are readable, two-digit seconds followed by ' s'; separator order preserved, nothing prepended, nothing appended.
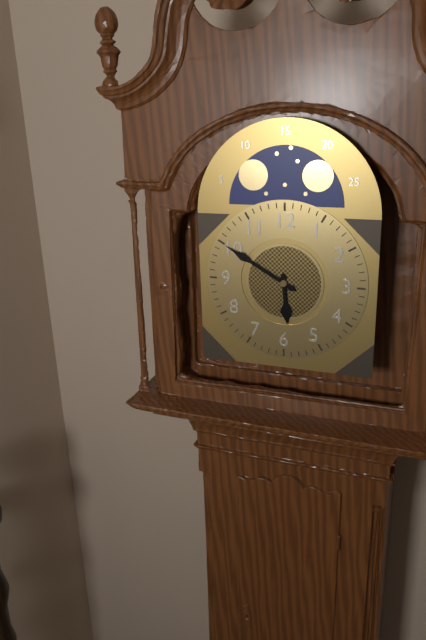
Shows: 5 h 50 min
